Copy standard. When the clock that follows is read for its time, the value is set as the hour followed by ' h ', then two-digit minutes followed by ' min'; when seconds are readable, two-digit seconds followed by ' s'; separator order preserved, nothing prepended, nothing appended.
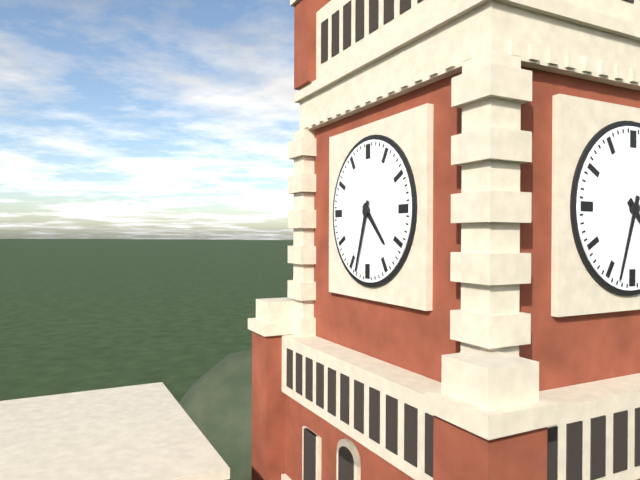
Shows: 4 h 33 min
